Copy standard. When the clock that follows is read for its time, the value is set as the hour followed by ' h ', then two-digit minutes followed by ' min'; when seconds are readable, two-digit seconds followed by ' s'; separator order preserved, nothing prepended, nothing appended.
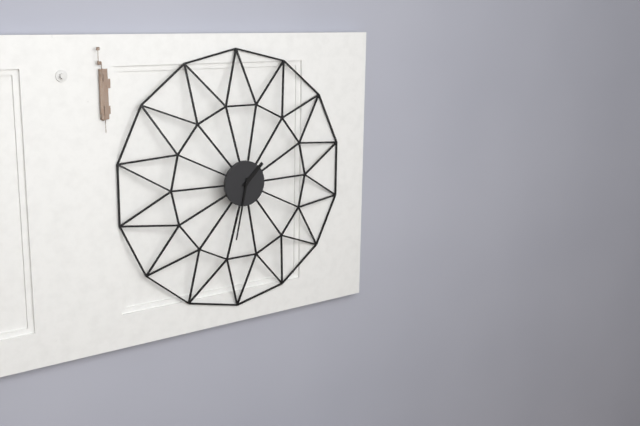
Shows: 1 h 32 min
